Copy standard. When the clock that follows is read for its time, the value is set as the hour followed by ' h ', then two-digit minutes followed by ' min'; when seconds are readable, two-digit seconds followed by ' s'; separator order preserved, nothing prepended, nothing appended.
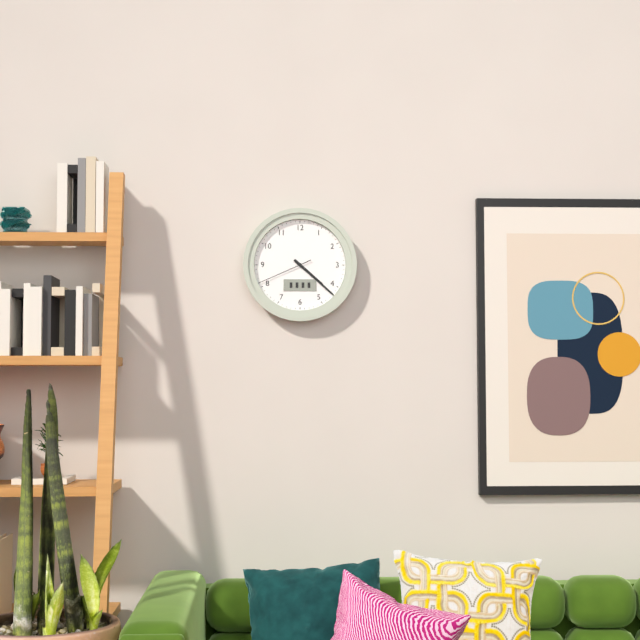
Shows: 4 h 22 min 41 s
